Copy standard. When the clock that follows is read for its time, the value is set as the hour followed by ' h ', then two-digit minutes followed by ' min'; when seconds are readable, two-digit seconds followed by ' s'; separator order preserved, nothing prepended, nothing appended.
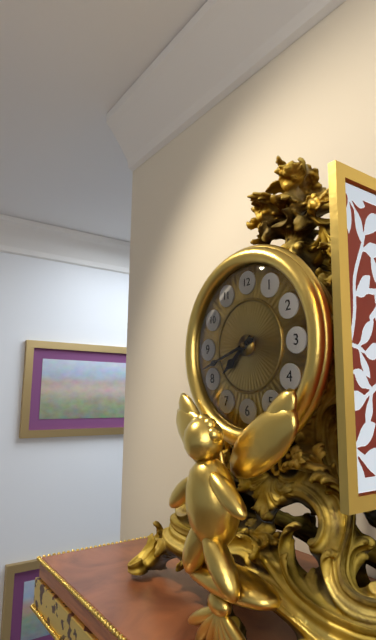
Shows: 7 h 42 min
